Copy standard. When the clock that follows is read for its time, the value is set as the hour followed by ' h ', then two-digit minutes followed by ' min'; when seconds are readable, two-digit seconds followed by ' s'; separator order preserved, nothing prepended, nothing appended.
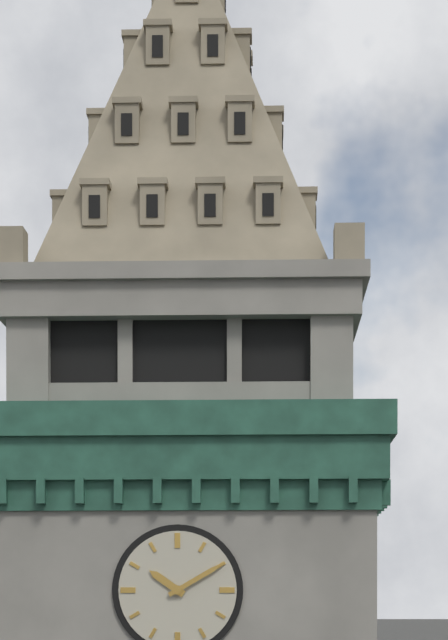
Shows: 10 h 10 min
